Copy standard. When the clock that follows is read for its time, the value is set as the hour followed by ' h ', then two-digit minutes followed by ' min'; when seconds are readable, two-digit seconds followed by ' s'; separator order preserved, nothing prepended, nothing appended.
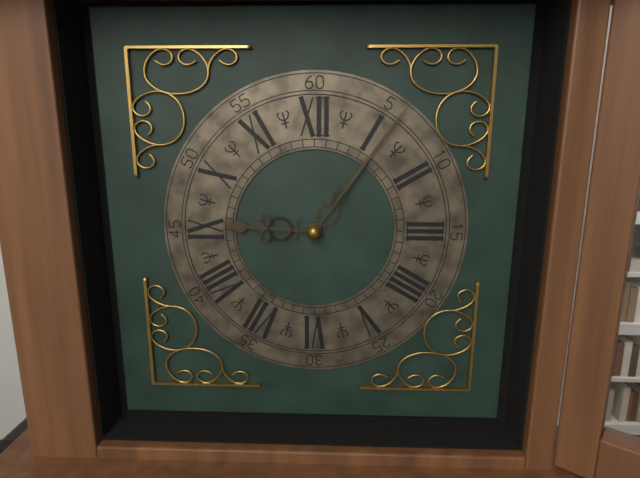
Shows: 9 h 06 min
